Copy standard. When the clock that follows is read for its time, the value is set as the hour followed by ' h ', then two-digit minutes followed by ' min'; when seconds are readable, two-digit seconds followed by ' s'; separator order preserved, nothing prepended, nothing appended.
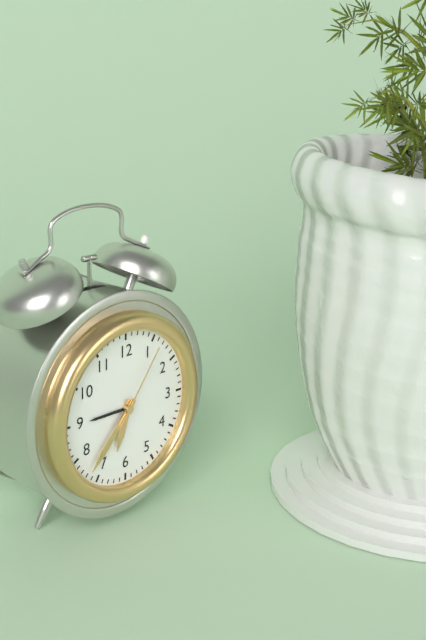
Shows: 6 h 37 min 06 s
